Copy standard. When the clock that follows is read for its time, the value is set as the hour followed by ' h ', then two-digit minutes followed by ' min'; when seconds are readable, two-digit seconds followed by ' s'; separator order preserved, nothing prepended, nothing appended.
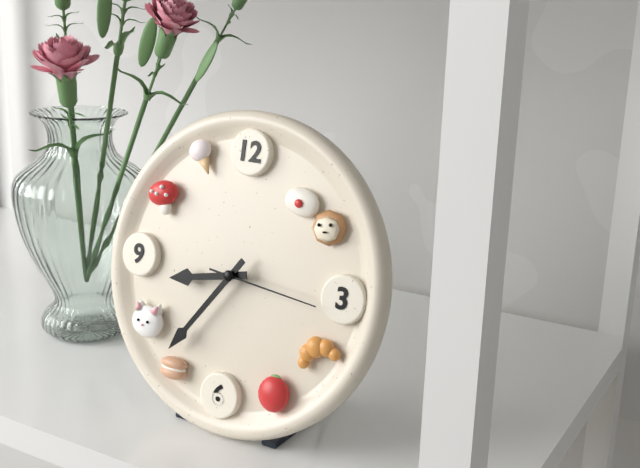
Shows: 8 h 36 min 16 s
